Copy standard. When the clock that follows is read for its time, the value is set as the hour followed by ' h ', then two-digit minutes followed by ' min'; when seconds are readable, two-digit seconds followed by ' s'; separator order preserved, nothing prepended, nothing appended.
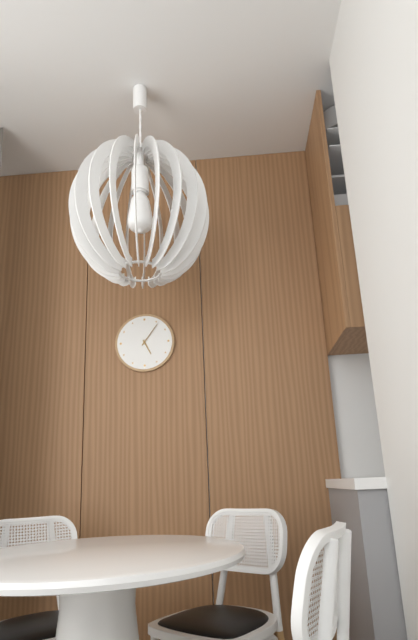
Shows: 5 h 06 min
